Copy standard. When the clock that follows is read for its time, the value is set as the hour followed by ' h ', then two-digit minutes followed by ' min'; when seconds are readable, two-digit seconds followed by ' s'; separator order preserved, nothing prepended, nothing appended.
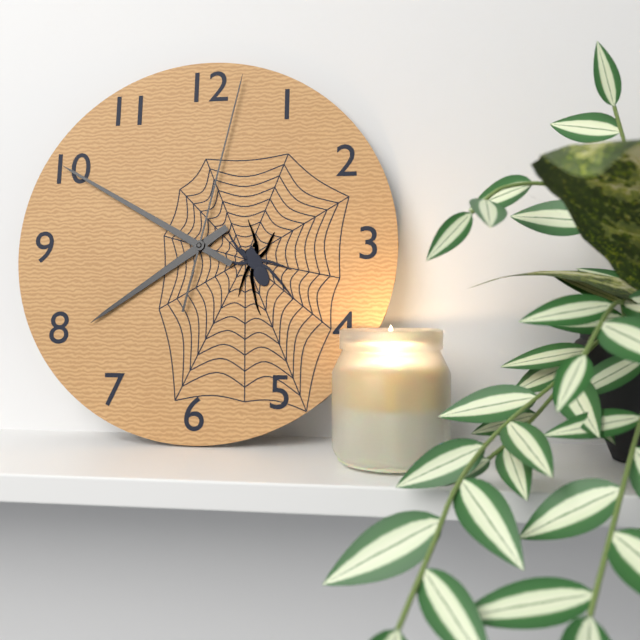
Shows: 7 h 50 min 02 s
